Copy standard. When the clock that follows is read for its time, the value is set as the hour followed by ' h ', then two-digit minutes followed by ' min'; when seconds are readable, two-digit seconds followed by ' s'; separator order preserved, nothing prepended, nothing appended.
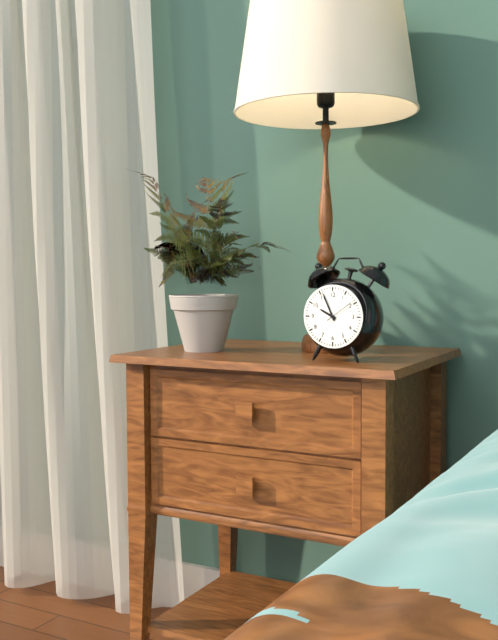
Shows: 9 h 56 min
